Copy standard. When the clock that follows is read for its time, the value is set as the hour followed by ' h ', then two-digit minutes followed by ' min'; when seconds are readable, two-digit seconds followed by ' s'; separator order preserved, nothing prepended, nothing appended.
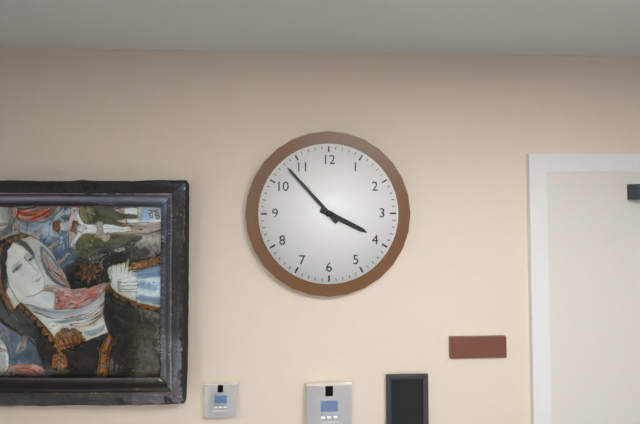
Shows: 3 h 53 min
